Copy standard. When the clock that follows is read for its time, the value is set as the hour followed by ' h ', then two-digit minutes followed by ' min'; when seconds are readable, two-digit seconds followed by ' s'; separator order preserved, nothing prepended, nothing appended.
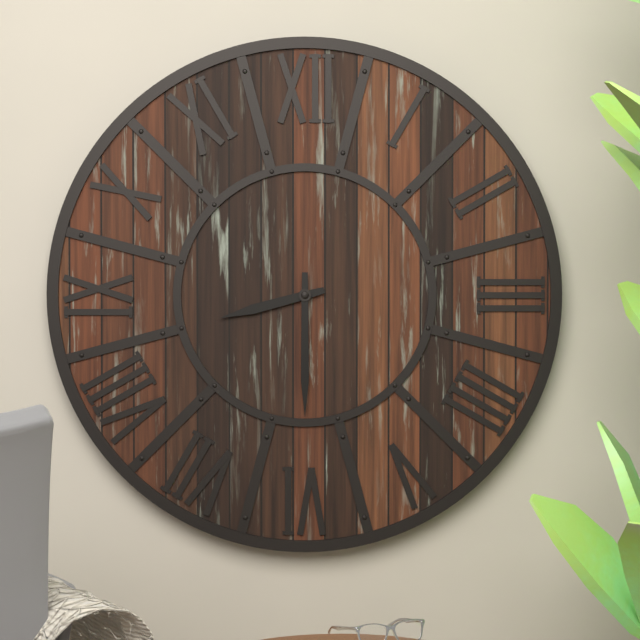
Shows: 8 h 30 min
